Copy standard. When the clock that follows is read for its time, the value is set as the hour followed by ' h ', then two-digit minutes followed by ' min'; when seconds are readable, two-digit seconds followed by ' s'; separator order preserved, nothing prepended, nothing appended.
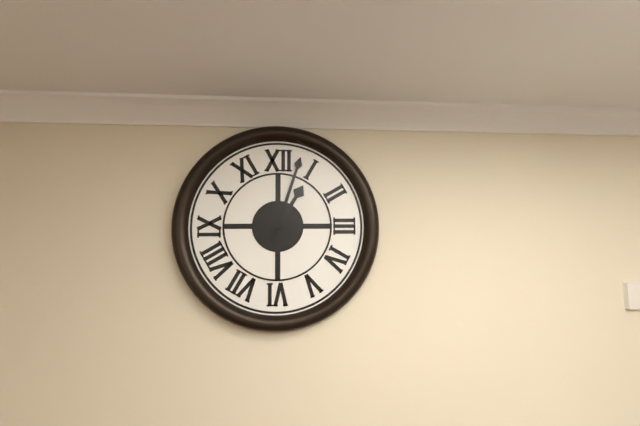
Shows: 1 h 03 min
